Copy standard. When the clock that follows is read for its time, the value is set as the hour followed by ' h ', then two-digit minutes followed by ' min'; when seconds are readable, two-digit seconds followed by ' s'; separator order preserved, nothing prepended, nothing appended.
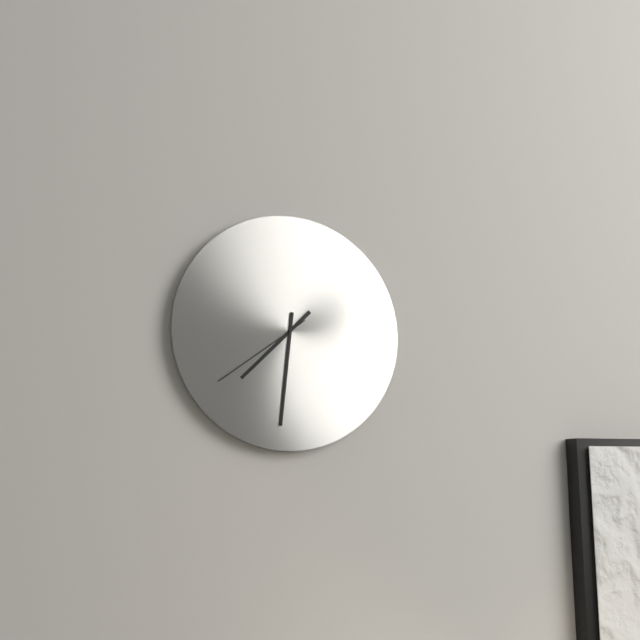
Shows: 7 h 31 min 39 s
